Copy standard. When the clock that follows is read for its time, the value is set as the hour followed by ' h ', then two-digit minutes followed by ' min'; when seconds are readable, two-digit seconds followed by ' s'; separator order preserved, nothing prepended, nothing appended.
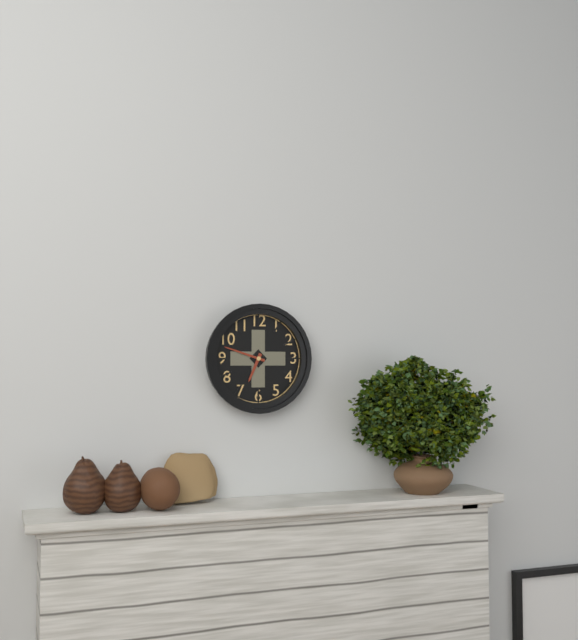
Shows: 6 h 48 min
